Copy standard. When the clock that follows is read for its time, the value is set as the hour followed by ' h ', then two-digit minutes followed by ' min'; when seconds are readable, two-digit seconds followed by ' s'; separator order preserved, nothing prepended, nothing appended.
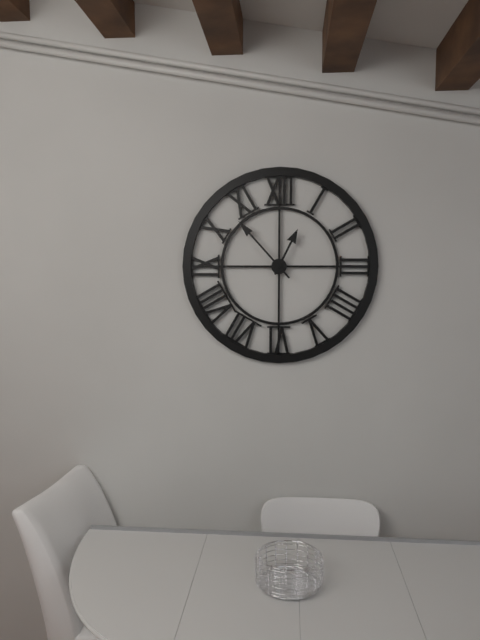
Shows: 12 h 53 min
